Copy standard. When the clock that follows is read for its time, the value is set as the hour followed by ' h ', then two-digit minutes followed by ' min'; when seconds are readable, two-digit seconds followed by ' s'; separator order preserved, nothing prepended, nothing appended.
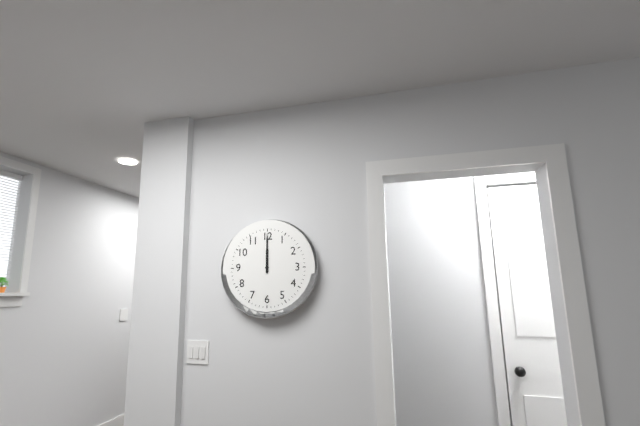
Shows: 12 h 00 min
